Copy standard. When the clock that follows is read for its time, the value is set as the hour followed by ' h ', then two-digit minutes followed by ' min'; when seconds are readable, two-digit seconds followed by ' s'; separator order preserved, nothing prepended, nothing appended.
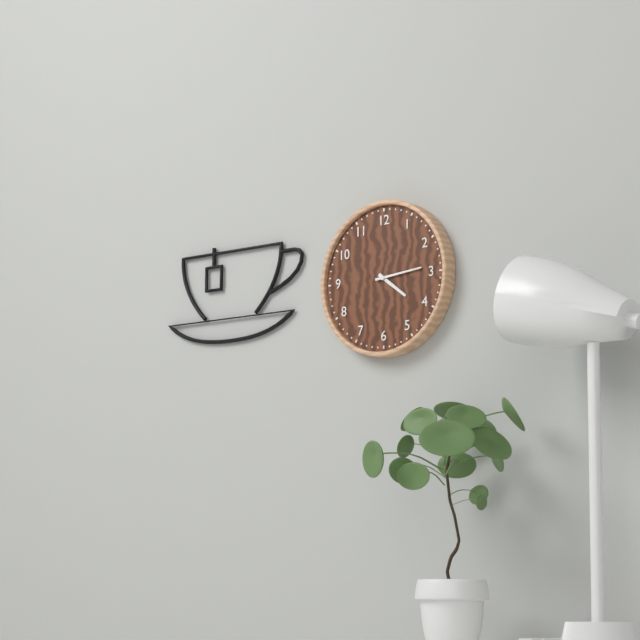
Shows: 4 h 14 min
